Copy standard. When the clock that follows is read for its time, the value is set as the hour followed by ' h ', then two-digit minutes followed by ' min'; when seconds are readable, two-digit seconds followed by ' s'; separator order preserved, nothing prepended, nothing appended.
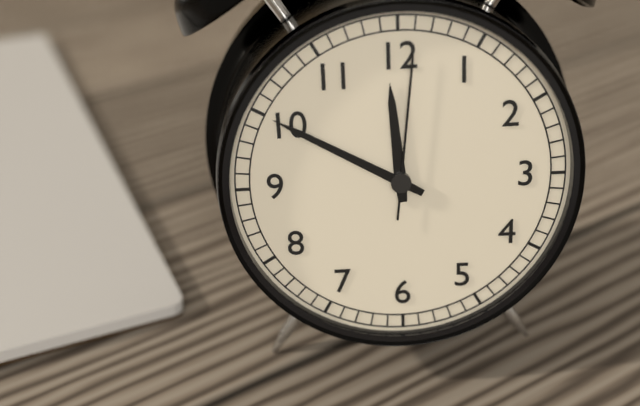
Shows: 11 h 50 min 01 s
